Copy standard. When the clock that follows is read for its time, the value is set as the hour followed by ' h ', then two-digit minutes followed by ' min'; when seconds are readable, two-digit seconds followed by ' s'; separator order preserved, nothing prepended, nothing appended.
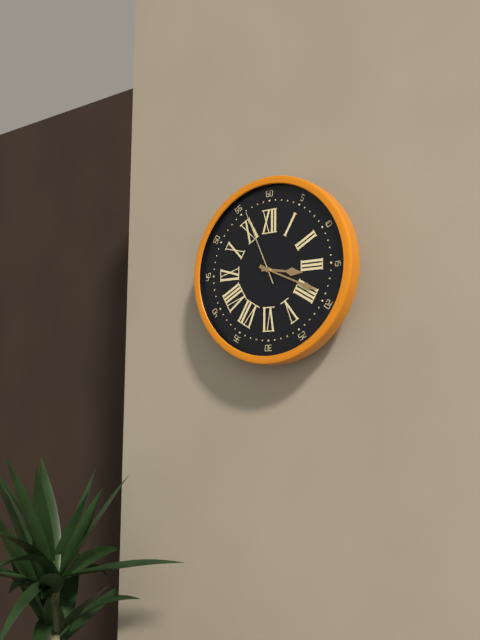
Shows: 3 h 19 min 56 s
